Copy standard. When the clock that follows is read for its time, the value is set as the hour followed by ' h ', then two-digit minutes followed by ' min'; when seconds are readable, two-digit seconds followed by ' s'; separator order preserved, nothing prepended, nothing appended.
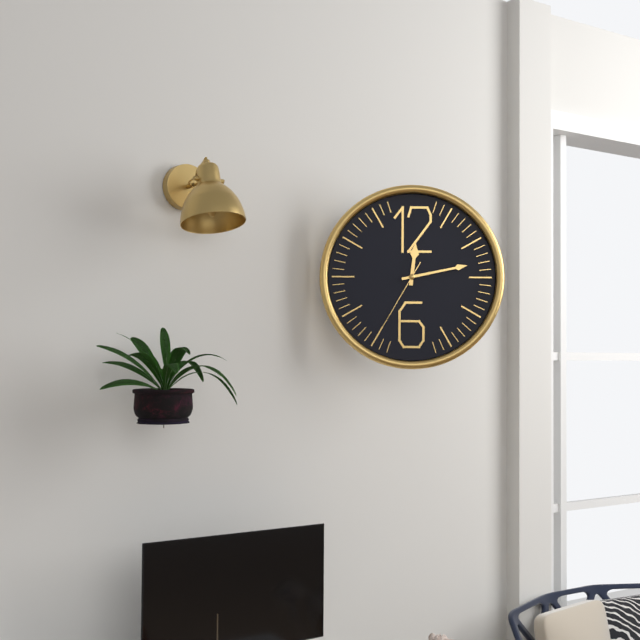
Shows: 12 h 13 min 35 s
